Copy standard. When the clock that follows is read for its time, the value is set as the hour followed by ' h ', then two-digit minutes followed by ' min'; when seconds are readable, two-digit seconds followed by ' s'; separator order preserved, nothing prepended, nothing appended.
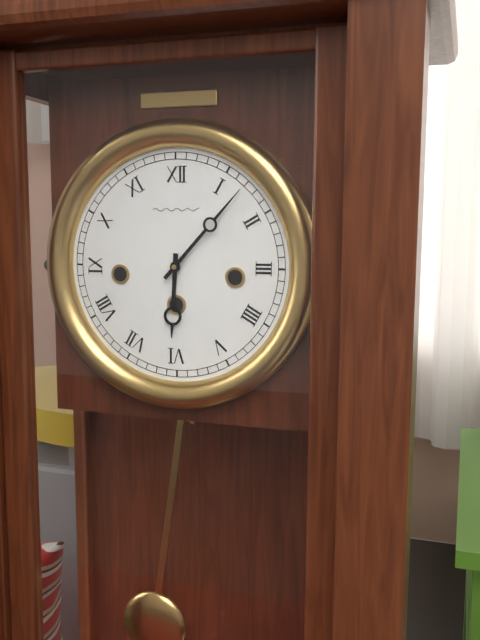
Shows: 6 h 07 min
